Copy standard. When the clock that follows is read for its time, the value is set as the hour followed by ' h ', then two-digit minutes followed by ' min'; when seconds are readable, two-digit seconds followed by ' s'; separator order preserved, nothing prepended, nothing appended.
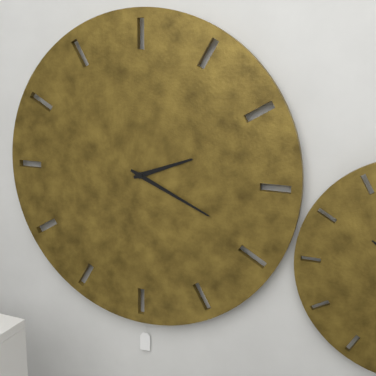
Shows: 2 h 19 min
